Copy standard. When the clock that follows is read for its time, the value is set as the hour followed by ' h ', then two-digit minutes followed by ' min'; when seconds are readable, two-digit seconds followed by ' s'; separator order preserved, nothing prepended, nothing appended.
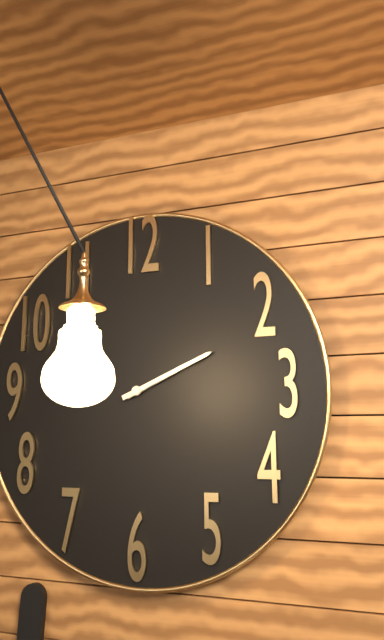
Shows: 2 h 11 min
